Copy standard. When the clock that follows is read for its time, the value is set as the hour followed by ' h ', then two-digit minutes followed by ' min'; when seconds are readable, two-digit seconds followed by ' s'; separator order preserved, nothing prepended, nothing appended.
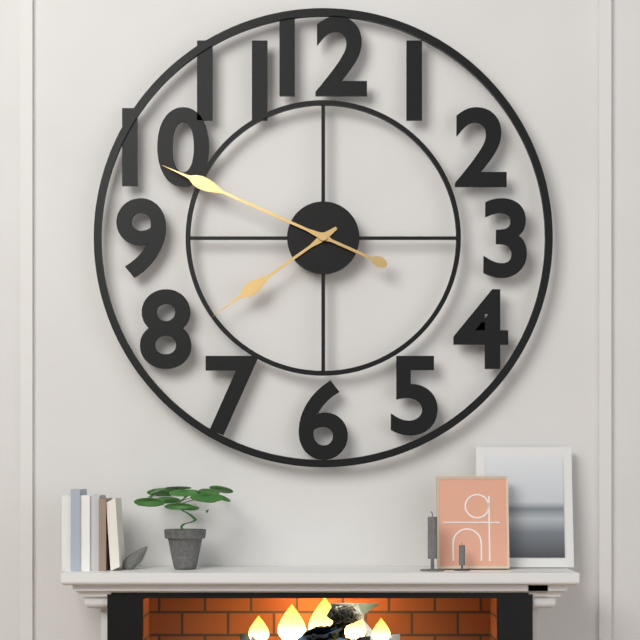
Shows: 7 h 49 min
